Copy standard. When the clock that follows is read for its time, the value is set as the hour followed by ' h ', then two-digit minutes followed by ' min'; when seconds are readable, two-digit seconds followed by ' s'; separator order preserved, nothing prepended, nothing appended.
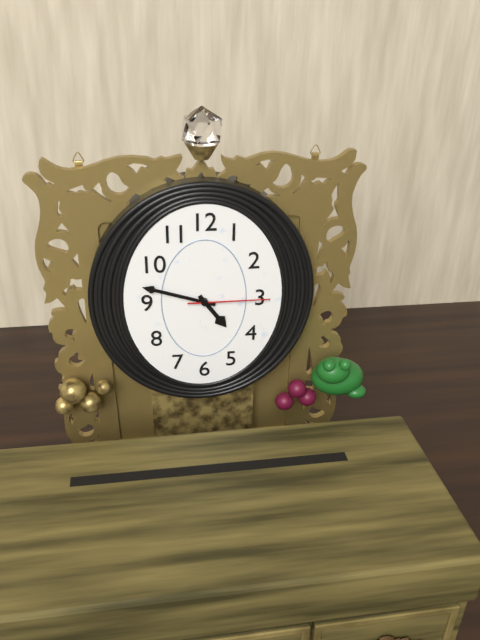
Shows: 4 h 48 min 15 s
